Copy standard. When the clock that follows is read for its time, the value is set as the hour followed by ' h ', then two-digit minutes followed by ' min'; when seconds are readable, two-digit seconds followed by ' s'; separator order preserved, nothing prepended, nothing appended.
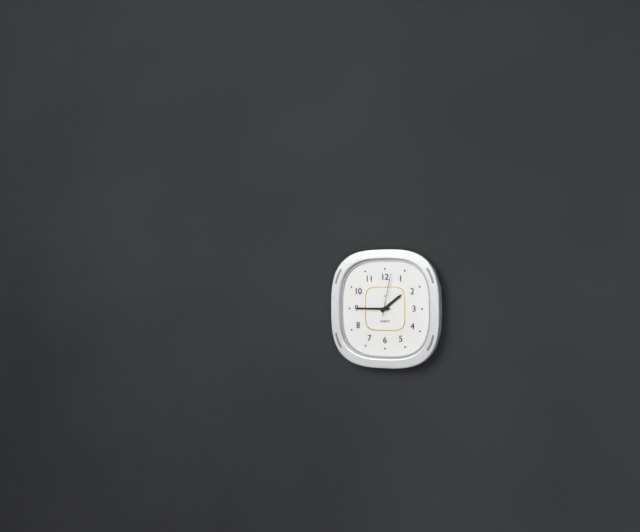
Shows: 1 h 45 min
